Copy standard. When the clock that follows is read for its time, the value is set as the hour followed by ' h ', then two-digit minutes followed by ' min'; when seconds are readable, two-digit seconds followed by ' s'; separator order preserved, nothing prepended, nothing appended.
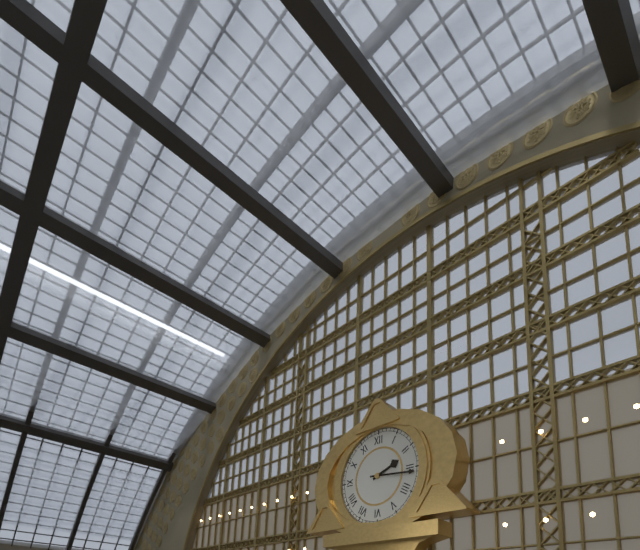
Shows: 2 h 16 min
